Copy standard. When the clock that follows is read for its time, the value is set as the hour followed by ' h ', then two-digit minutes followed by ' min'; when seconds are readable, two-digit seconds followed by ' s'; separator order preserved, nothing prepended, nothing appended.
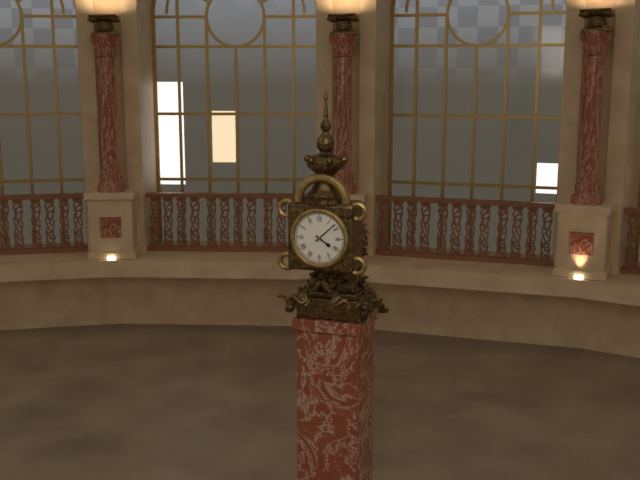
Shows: 4 h 08 min
